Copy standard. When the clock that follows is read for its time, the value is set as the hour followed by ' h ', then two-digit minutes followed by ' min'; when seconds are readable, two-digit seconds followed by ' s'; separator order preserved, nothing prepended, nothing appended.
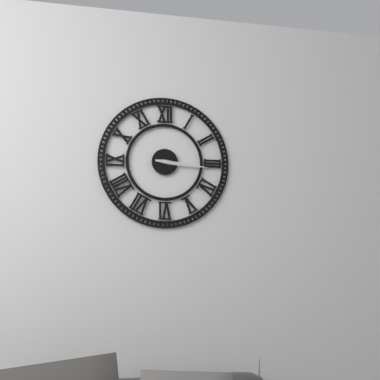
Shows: 3 h 16 min
